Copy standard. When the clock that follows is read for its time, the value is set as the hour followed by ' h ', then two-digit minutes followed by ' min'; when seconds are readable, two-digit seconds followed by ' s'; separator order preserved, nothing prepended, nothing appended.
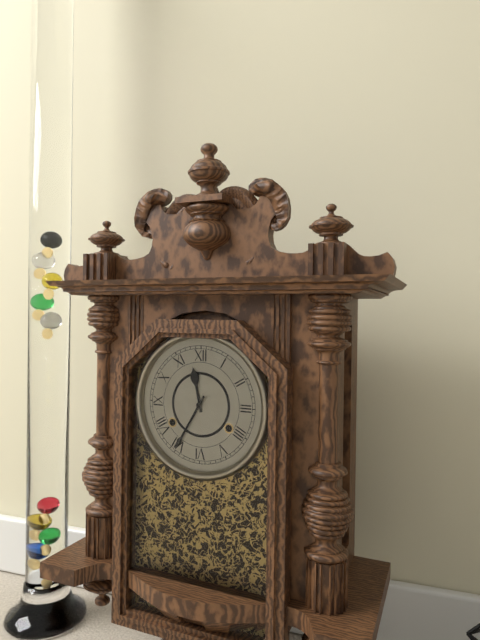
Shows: 11 h 35 min
